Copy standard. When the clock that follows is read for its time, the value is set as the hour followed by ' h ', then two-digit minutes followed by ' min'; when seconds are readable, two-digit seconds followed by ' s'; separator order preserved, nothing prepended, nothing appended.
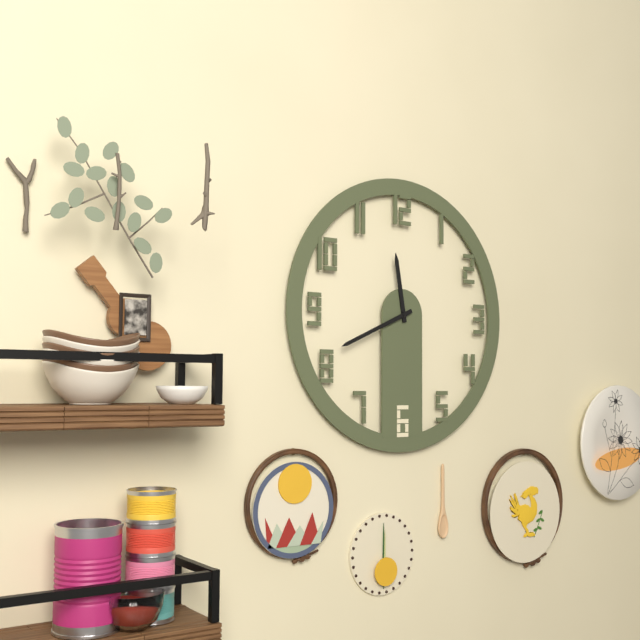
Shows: 11 h 41 min
